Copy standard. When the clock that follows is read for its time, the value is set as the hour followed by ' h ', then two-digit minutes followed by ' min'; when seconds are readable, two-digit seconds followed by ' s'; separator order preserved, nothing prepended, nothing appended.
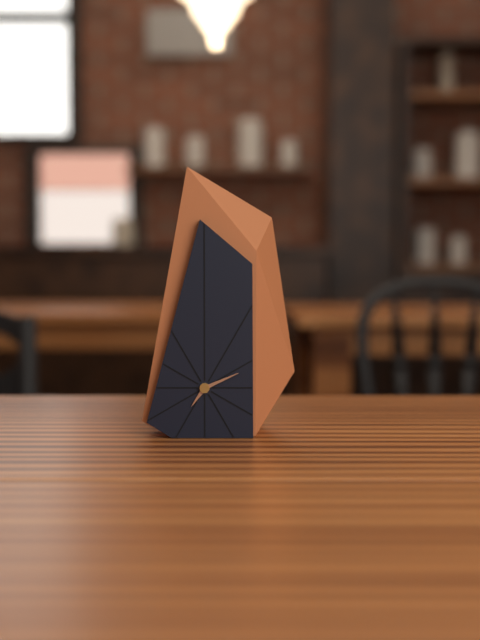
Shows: 7 h 11 min
